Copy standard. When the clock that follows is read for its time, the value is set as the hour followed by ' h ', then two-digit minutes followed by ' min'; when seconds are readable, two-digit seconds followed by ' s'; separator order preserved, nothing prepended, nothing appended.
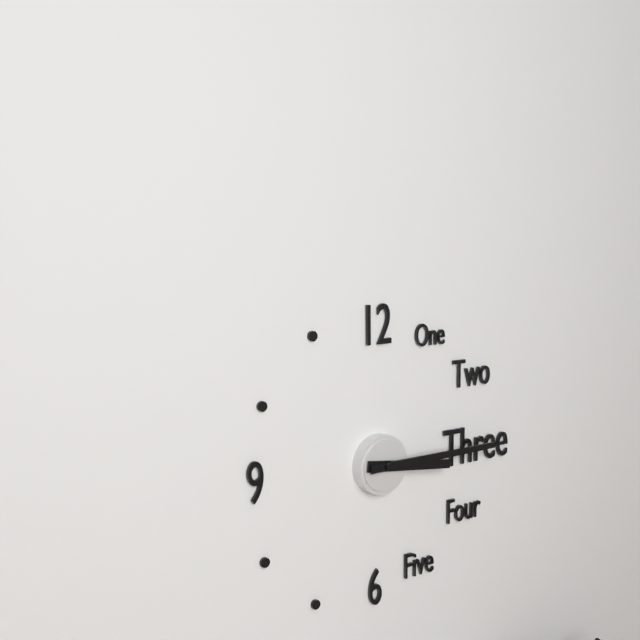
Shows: 3 h 15 min
